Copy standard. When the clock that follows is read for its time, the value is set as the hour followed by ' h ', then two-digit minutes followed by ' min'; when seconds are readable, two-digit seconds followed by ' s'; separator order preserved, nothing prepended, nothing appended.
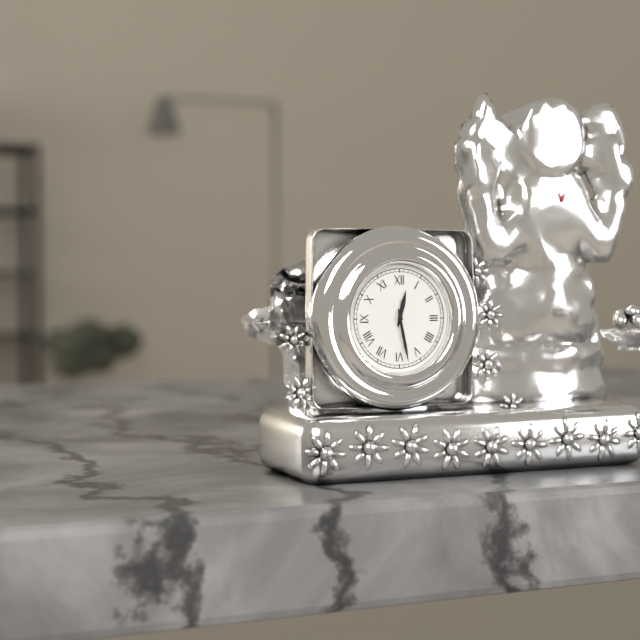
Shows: 12 h 28 min
